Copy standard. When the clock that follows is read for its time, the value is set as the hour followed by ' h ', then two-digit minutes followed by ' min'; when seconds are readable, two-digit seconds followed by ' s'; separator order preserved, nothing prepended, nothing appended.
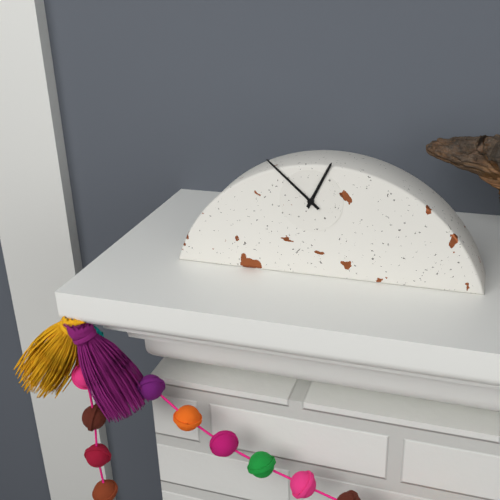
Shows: 12 h 52 min
